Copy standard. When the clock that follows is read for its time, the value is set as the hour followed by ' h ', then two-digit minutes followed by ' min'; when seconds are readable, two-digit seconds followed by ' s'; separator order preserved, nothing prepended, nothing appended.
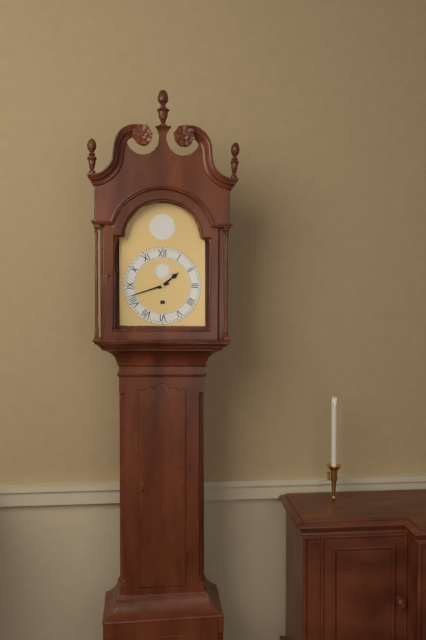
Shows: 1 h 42 min
